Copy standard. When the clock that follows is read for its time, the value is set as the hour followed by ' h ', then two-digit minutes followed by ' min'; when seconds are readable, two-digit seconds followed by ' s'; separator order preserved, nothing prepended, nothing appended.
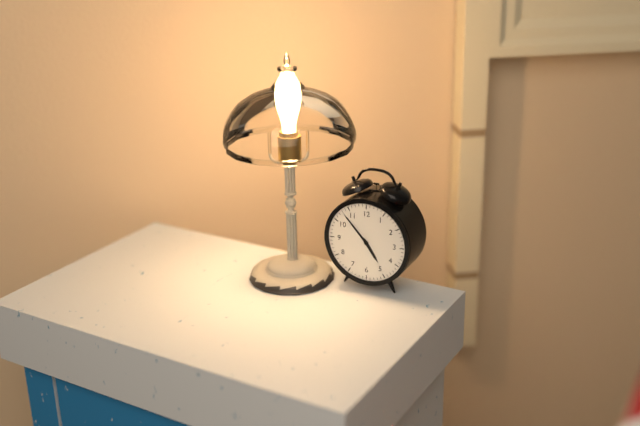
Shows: 4 h 53 min
